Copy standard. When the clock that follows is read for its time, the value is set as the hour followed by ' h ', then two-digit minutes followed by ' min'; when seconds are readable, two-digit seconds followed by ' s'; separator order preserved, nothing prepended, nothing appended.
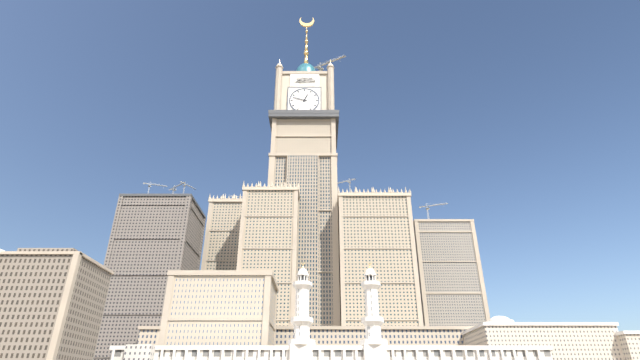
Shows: 12 h 48 min
